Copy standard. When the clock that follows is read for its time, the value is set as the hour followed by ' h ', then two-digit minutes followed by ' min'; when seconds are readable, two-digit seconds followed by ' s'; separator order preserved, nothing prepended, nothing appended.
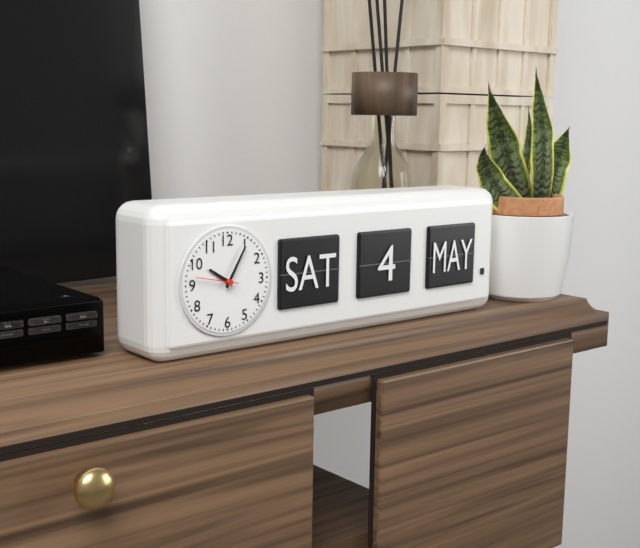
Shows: 10 h 05 min
